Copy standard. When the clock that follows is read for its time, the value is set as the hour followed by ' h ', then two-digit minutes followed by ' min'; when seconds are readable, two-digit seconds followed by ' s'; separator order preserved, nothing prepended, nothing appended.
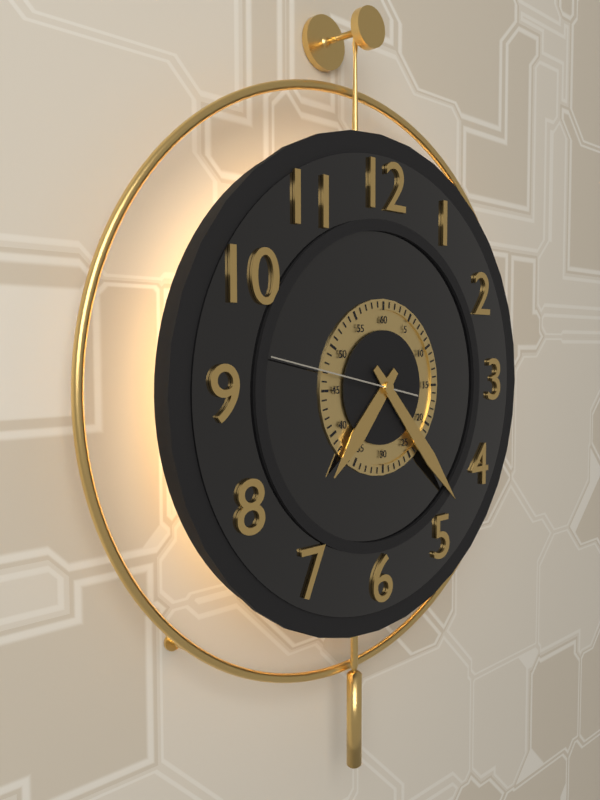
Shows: 7 h 23 min 47 s
